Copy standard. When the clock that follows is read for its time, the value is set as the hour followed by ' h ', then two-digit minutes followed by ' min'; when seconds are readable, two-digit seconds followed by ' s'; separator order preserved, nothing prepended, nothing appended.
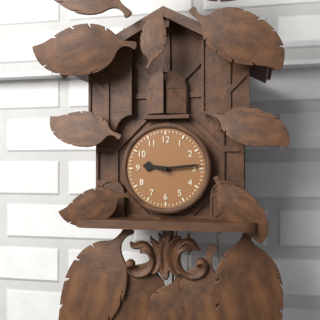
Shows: 9 h 14 min
